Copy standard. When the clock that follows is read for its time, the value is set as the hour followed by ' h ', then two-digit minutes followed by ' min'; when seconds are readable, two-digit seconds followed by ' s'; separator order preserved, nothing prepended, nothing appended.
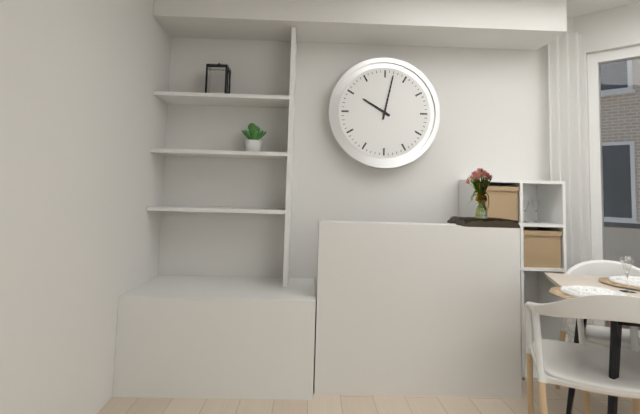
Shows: 10 h 02 min
